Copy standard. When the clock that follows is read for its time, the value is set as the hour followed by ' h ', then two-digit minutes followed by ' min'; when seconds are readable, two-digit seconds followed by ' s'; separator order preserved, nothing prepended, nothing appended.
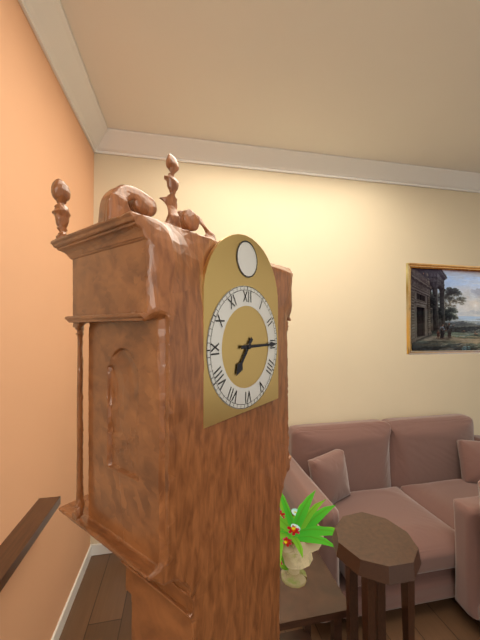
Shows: 7 h 15 min
